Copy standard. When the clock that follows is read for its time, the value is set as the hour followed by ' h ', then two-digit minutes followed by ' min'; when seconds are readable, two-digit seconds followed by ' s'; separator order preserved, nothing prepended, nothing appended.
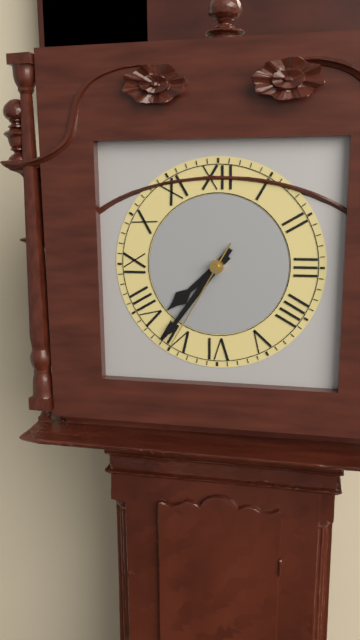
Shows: 7 h 36 min 35 s
